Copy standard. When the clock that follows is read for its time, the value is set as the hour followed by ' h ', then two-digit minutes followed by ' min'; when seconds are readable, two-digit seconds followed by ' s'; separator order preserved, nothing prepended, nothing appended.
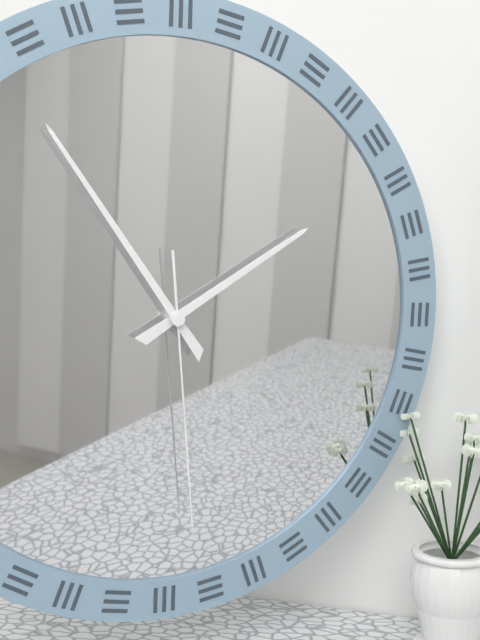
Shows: 1 h 54 min 29 s
